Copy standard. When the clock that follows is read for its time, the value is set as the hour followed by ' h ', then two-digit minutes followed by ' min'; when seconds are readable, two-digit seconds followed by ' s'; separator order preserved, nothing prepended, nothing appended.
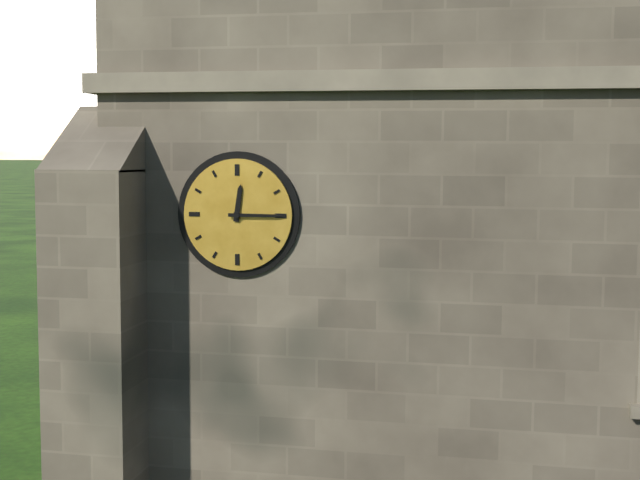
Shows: 12 h 15 min
